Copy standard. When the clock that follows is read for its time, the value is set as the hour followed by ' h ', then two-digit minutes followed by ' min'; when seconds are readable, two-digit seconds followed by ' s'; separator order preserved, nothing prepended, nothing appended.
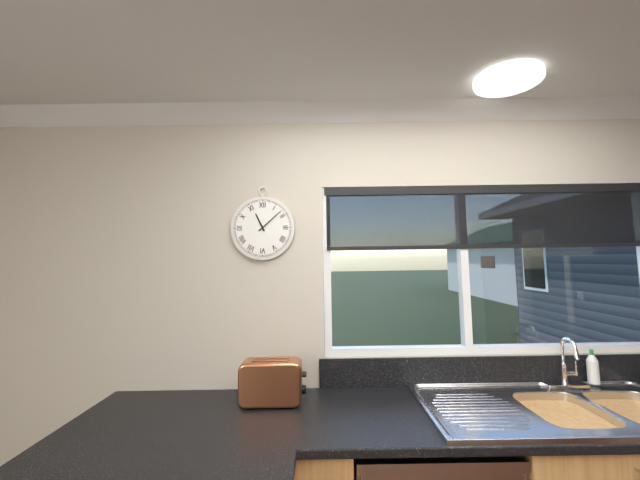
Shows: 11 h 08 min
